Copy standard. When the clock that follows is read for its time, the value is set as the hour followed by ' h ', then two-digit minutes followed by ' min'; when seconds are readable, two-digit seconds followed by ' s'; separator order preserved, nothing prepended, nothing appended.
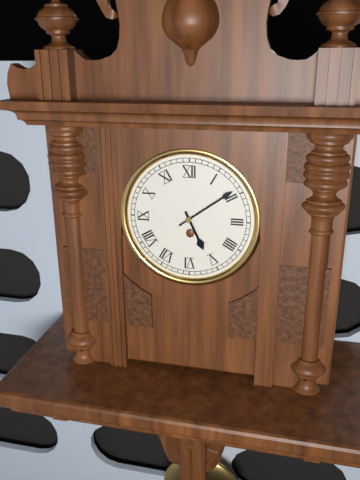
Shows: 5 h 09 min
